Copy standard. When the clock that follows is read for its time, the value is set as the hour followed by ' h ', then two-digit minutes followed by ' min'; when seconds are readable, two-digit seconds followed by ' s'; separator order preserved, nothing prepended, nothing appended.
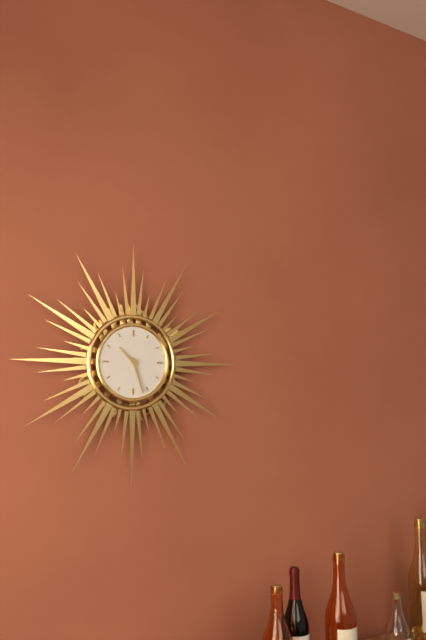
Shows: 10 h 27 min
